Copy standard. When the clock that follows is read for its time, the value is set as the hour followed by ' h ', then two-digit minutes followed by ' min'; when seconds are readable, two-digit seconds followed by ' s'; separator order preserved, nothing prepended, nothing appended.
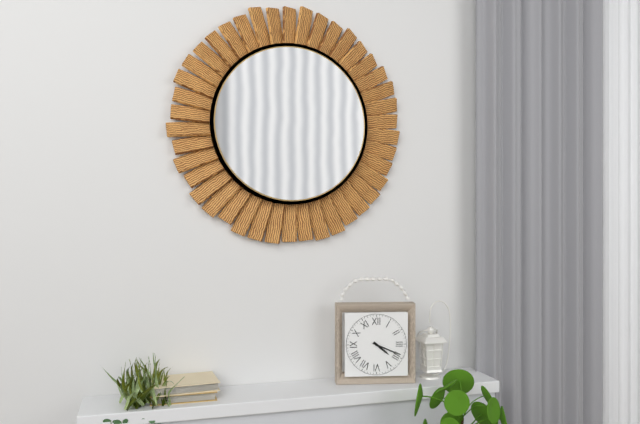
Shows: 4 h 19 min
